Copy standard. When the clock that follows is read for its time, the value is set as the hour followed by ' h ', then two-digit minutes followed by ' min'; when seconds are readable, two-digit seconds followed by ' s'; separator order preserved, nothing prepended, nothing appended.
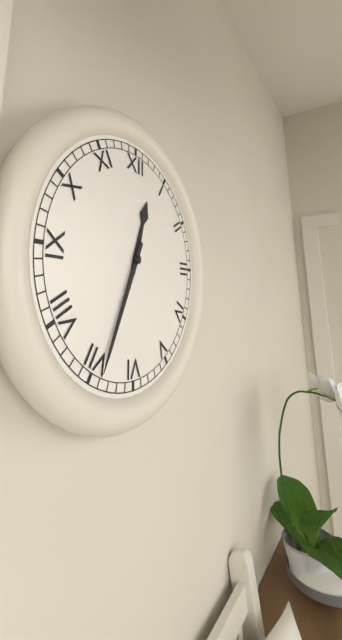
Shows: 12 h 34 min
